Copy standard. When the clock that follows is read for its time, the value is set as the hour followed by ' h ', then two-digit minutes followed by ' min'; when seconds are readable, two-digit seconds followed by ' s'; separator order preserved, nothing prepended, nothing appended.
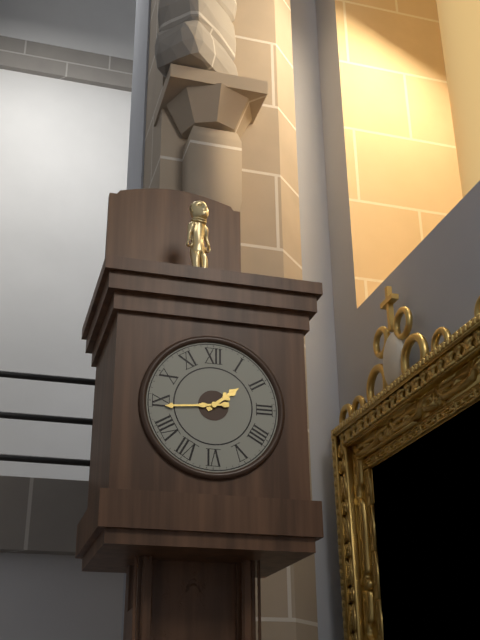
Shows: 1 h 44 min
